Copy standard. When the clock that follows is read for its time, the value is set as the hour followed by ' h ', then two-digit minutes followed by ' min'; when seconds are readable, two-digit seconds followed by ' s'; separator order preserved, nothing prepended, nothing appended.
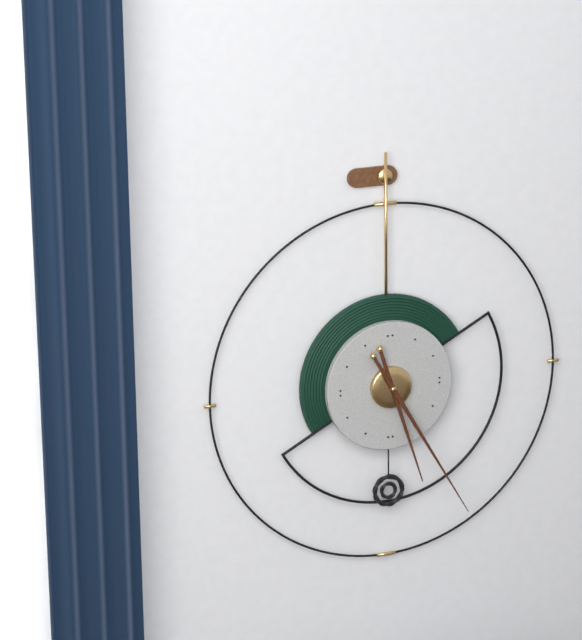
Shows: 5 h 25 min
